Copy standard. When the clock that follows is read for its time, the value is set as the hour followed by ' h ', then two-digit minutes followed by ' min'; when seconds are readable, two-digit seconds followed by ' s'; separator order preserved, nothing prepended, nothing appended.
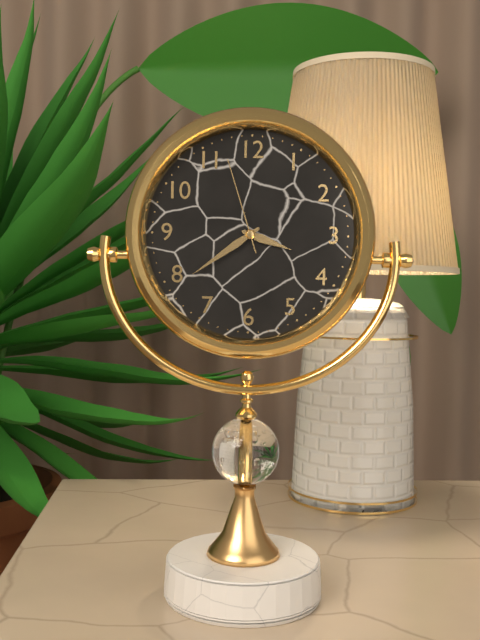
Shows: 3 h 39 min 57 s
